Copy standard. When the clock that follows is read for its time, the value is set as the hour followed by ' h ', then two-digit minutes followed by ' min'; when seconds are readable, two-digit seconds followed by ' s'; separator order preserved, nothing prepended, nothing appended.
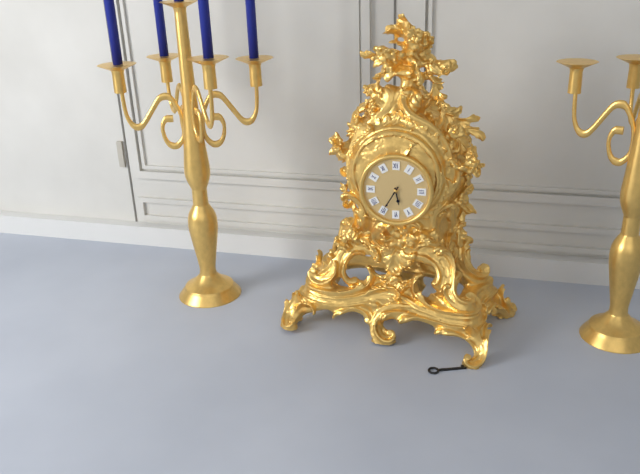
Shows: 5 h 35 min
